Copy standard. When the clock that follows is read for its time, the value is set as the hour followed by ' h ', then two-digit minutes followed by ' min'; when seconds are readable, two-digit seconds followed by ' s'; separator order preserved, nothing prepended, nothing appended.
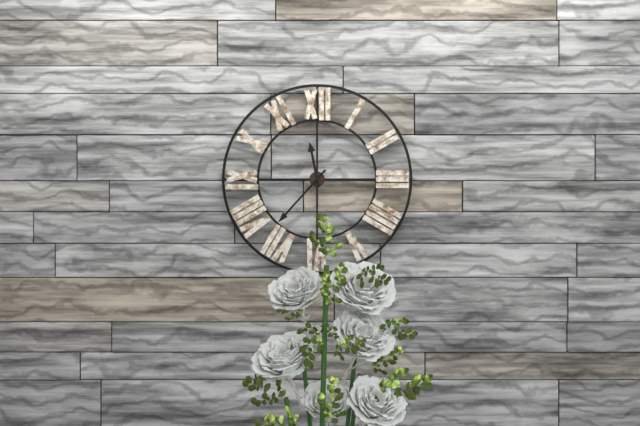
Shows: 11 h 37 min
